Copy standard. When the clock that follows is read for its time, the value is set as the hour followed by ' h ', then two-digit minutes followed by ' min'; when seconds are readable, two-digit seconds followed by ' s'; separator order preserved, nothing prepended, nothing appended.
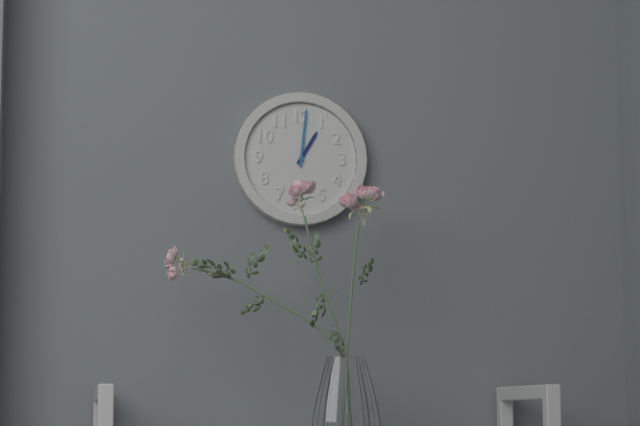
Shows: 1 h 01 min
